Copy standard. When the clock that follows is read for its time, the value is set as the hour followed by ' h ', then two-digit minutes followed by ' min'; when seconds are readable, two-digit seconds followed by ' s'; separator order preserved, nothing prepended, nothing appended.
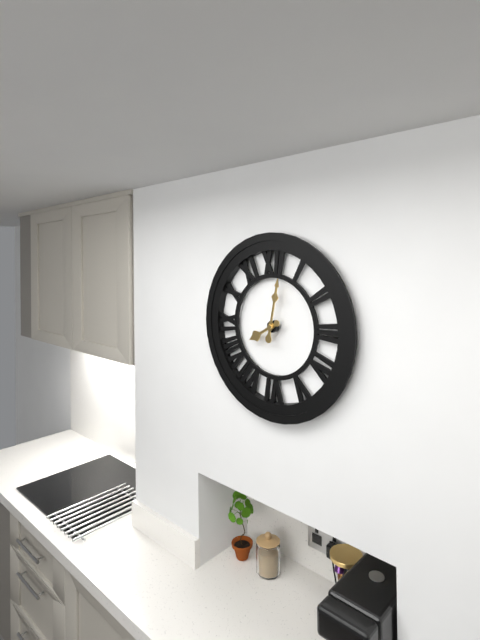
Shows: 8 h 02 min
